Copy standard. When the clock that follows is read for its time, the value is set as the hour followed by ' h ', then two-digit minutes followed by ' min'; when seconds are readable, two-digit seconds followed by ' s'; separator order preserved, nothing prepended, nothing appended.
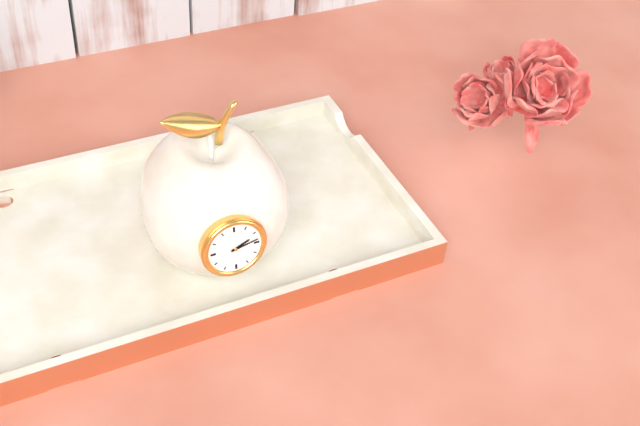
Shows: 2 h 13 min
